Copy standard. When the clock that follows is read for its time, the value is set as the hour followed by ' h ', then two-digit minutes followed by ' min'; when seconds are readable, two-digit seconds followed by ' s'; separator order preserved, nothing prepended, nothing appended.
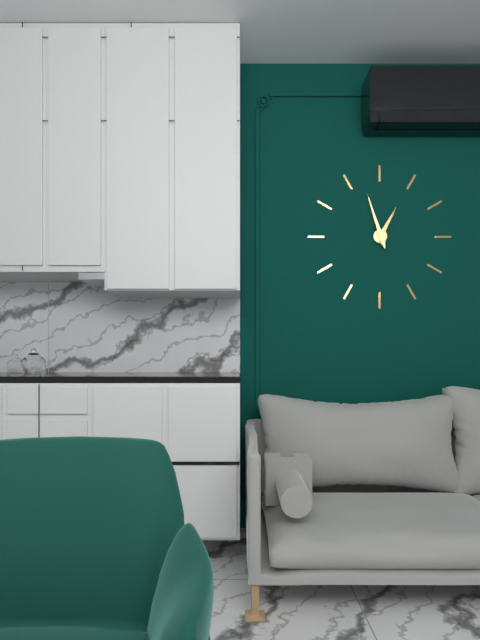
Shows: 12 h 57 min
